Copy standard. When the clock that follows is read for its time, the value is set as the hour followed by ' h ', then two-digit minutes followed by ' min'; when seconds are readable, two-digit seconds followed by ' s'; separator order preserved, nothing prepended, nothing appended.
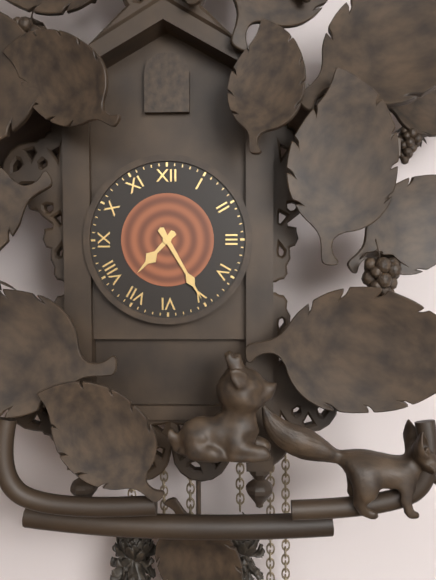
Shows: 7 h 25 min
